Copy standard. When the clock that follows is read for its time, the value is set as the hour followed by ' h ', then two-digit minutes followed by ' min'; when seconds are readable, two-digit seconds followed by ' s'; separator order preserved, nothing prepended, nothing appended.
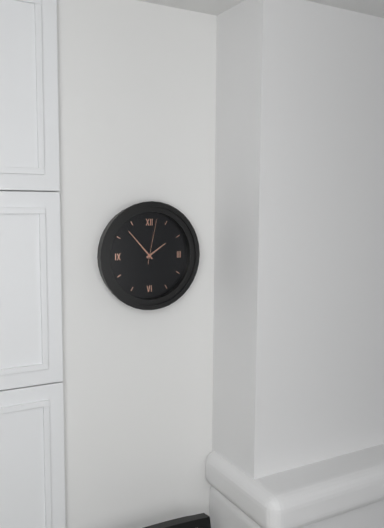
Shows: 1 h 53 min
